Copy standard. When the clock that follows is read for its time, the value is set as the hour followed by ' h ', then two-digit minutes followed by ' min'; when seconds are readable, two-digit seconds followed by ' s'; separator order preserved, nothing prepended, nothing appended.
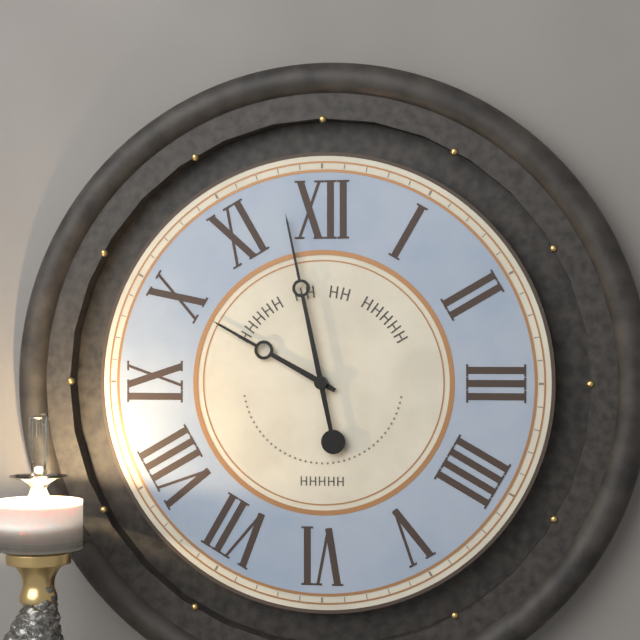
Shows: 9 h 58 min
